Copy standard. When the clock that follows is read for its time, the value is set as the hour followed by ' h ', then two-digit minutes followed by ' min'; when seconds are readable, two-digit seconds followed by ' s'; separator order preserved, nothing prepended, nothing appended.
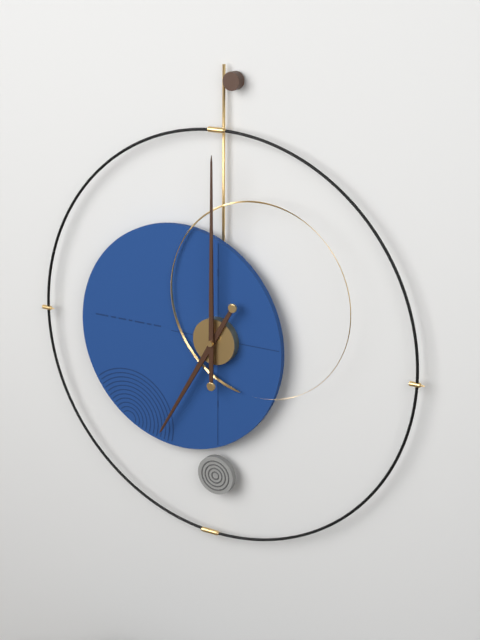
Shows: 7 h 00 min
